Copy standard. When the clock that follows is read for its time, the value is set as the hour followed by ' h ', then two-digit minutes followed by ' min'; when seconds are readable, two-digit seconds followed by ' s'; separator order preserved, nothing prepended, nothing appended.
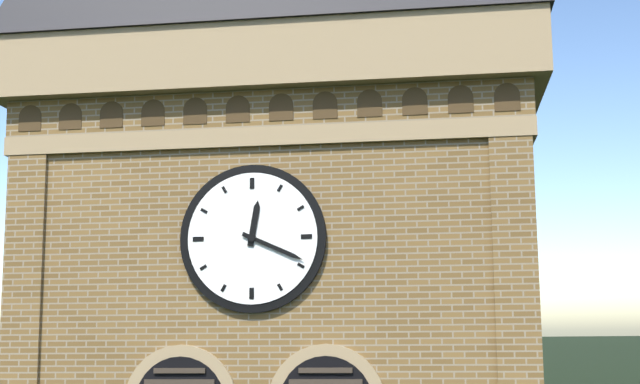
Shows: 12 h 19 min
